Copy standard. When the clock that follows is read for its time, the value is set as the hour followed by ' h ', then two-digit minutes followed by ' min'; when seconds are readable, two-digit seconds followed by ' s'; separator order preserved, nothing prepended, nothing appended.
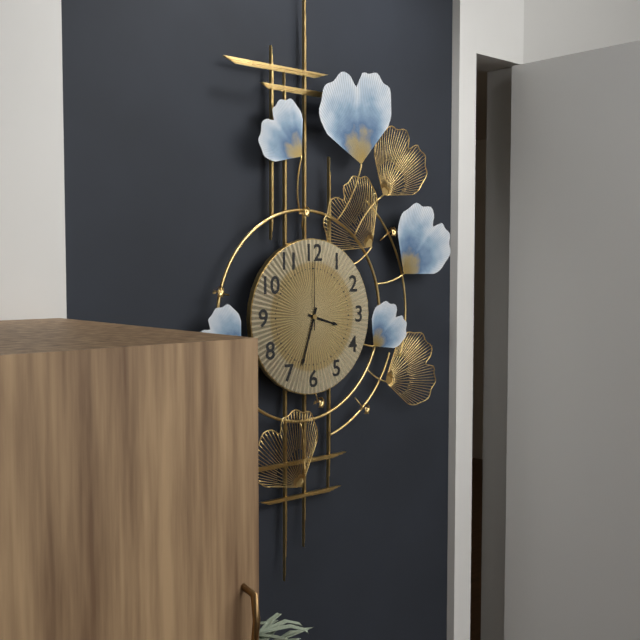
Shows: 3 h 33 min 00 s
